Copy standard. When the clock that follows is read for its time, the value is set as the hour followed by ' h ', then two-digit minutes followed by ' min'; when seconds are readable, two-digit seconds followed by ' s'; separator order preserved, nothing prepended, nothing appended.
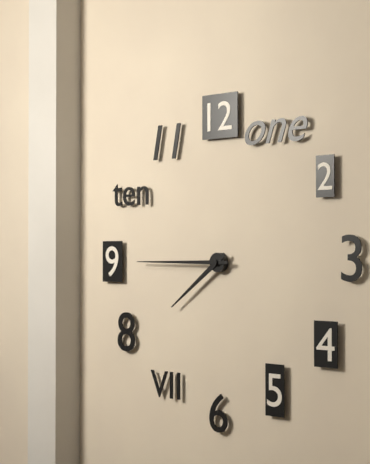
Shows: 7 h 45 min
